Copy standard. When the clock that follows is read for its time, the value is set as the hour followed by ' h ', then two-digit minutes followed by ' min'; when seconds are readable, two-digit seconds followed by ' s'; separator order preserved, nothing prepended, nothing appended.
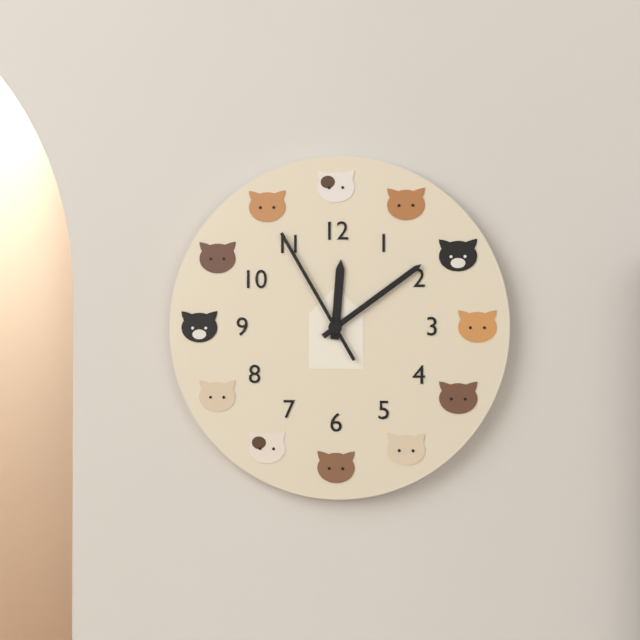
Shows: 12 h 09 min 55 s
